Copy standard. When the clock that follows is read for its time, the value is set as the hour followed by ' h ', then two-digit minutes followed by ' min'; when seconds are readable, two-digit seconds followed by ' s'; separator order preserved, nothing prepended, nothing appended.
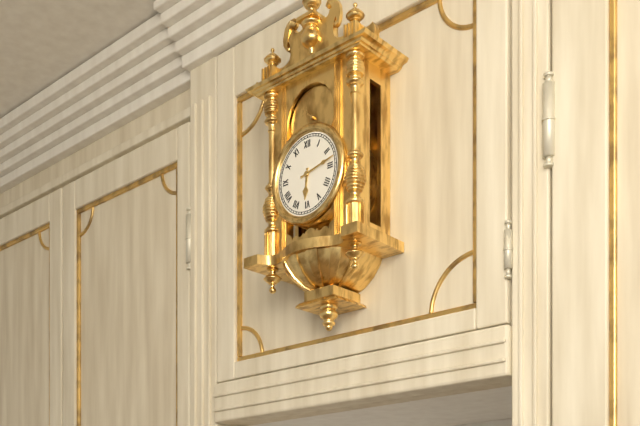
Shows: 6 h 13 min
